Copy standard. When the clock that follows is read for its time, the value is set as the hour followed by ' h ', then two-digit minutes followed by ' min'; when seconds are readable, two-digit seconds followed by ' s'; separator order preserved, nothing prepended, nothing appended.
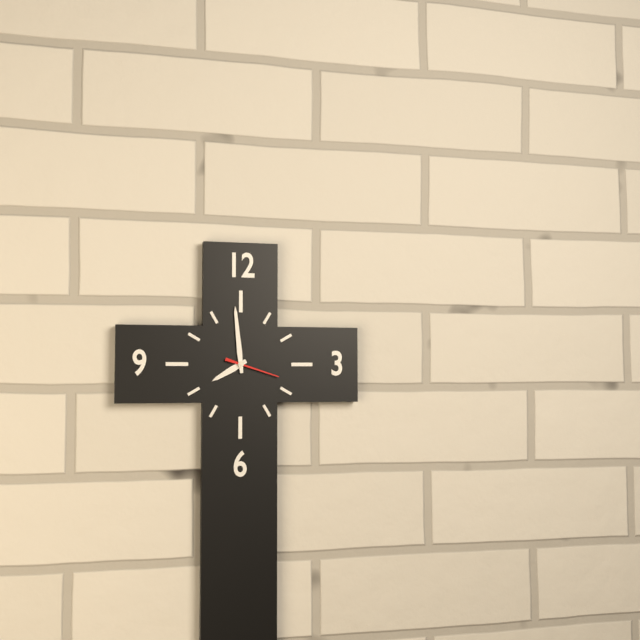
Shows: 7 h 59 min 18 s
